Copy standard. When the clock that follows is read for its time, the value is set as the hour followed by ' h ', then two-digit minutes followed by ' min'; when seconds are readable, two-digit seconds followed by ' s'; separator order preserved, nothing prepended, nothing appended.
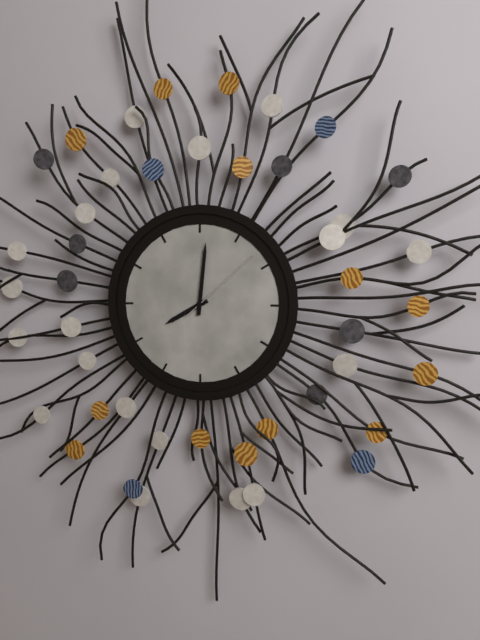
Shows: 8 h 01 min 08 s
